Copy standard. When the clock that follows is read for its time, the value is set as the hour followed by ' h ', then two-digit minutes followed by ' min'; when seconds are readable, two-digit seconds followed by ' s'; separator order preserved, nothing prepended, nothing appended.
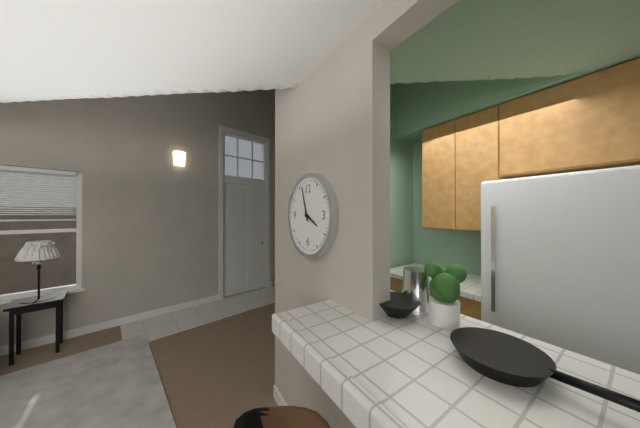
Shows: 3 h 57 min
